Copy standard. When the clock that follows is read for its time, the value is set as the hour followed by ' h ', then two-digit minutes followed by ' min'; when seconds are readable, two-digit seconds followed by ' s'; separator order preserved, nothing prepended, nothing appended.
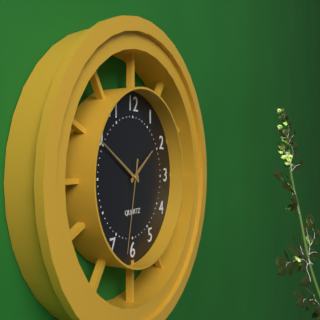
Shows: 1 h 50 min 32 s
